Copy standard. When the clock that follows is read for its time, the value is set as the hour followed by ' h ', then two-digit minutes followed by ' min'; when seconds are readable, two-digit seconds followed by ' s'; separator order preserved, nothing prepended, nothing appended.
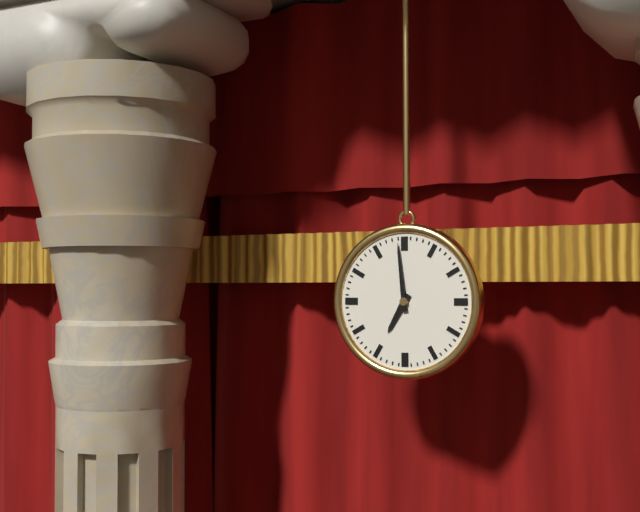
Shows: 6 h 59 min
